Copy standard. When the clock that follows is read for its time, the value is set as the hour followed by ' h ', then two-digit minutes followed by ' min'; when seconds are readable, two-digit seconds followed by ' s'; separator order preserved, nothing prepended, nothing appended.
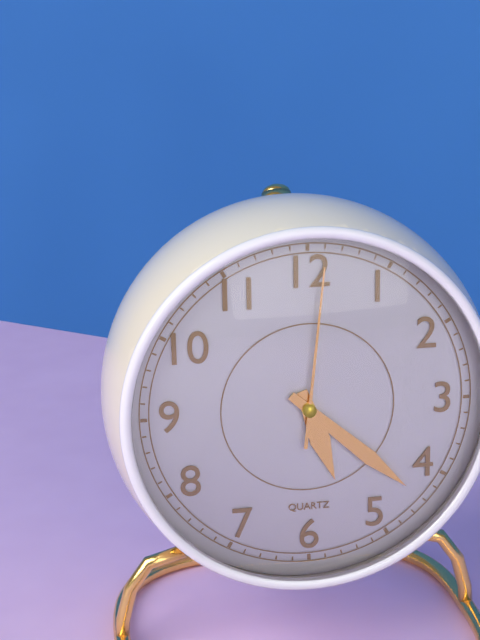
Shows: 5 h 22 min 01 s
